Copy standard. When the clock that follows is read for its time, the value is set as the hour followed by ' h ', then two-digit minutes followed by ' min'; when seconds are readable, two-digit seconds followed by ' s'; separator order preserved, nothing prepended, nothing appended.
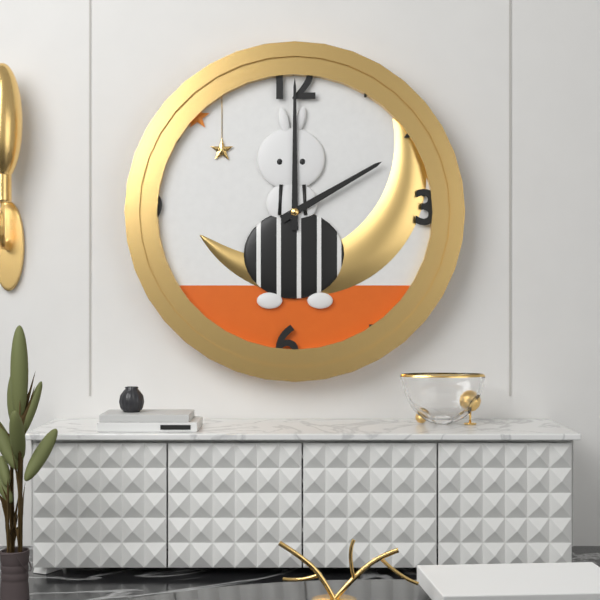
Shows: 2 h 00 min
